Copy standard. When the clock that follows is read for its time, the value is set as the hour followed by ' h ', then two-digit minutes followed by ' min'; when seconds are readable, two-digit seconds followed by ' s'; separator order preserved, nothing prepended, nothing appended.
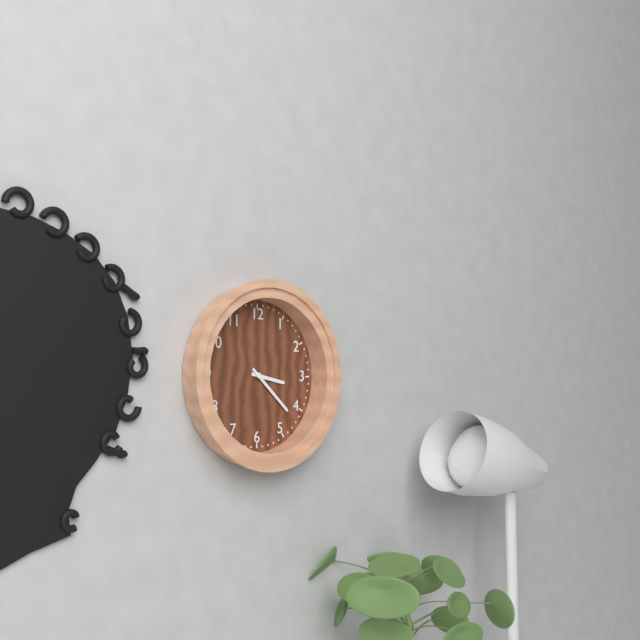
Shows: 3 h 22 min
